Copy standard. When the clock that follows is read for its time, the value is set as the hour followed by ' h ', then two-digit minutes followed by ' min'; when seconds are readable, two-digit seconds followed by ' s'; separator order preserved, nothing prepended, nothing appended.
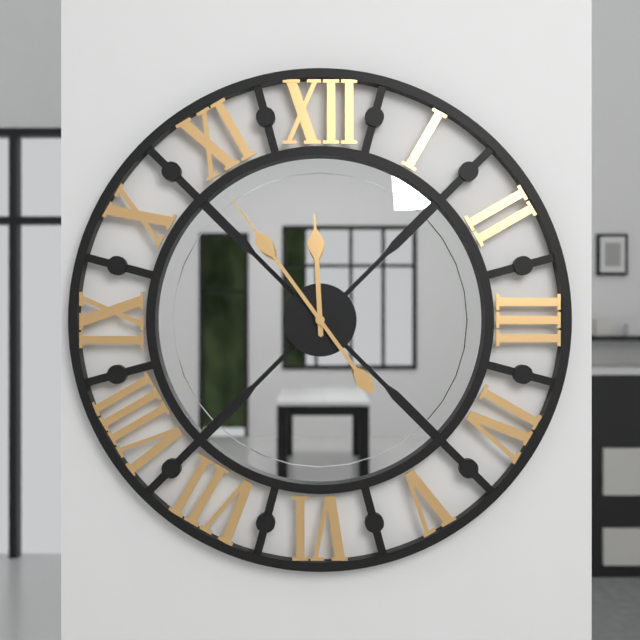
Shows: 11 h 54 min
